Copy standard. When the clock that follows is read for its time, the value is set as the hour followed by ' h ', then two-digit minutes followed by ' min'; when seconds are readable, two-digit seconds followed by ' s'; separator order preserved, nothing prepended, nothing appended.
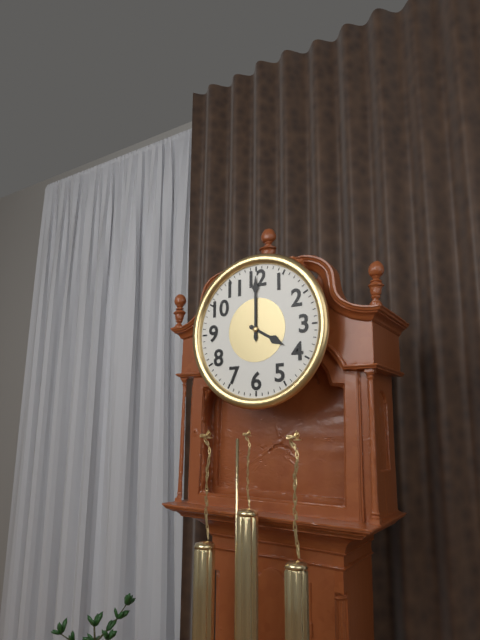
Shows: 4 h 00 min
